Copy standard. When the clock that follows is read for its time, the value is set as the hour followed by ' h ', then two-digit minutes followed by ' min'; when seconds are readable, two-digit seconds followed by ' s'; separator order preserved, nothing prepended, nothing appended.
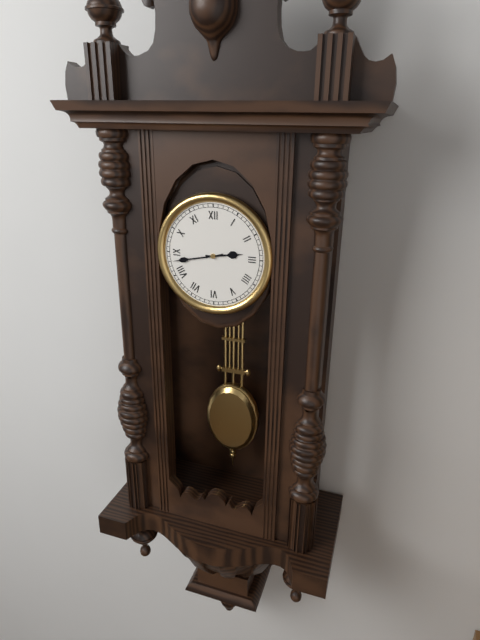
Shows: 2 h 43 min
